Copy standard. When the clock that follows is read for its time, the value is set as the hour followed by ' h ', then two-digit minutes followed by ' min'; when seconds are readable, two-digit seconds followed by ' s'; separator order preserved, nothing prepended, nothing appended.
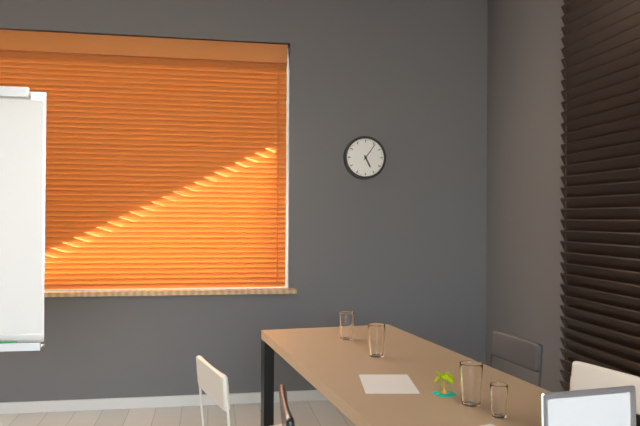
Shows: 5 h 06 min
